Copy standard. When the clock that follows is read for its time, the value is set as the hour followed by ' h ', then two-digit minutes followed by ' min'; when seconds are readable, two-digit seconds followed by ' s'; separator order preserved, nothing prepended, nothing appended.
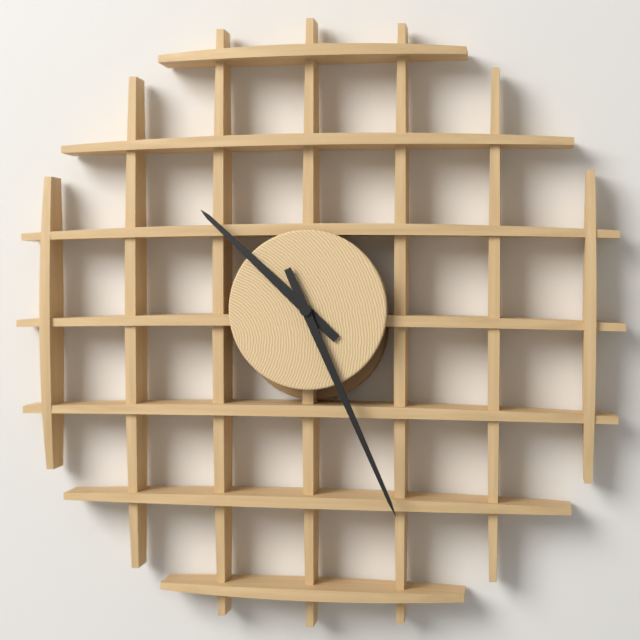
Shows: 10 h 26 min
